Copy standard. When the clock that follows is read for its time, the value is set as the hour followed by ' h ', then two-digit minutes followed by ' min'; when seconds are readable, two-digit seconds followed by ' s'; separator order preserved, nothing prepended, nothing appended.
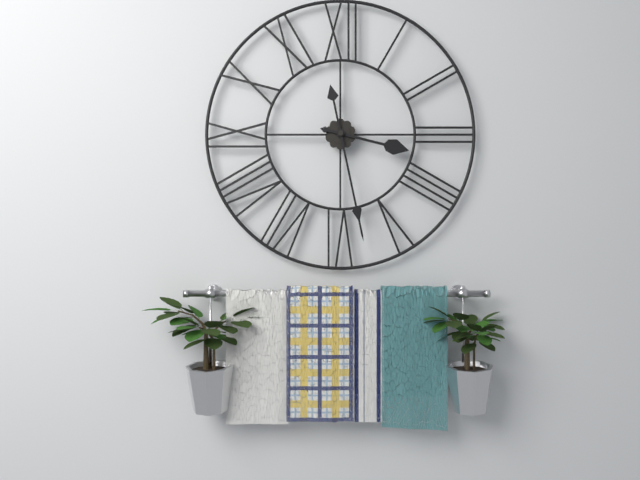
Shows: 3 h 28 min
